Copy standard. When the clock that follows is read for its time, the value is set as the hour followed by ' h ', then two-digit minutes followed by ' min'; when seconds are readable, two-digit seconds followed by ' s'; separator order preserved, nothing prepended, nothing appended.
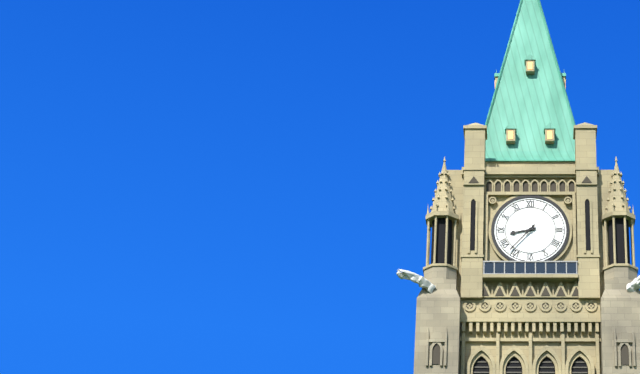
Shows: 8 h 37 min
